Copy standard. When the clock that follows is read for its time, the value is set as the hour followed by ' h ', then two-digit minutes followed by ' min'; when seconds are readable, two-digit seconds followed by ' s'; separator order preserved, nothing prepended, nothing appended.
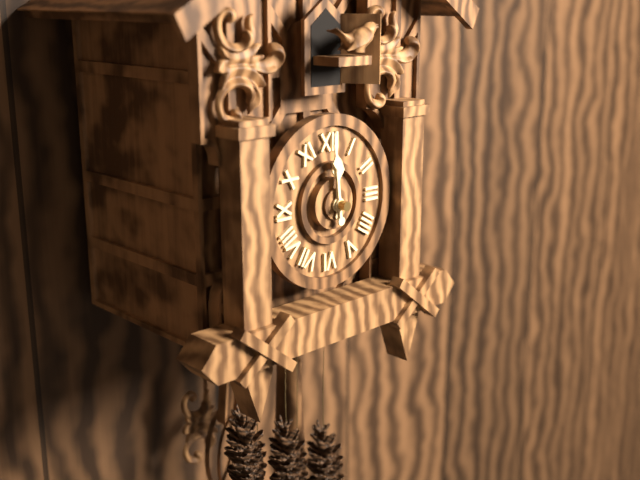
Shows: 11 h 59 min
